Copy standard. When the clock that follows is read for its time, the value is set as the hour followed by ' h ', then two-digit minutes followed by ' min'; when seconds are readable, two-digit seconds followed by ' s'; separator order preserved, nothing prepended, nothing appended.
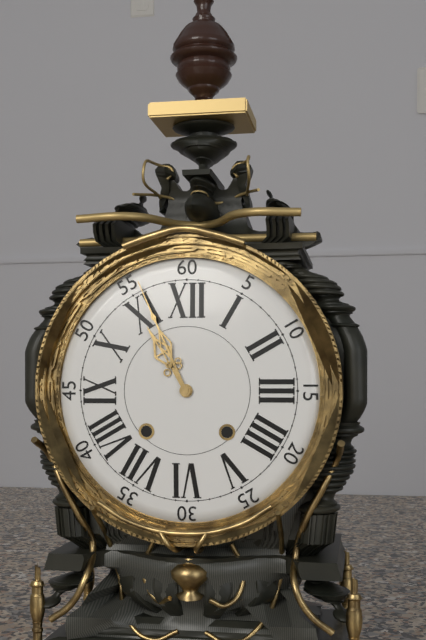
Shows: 10 h 56 min
